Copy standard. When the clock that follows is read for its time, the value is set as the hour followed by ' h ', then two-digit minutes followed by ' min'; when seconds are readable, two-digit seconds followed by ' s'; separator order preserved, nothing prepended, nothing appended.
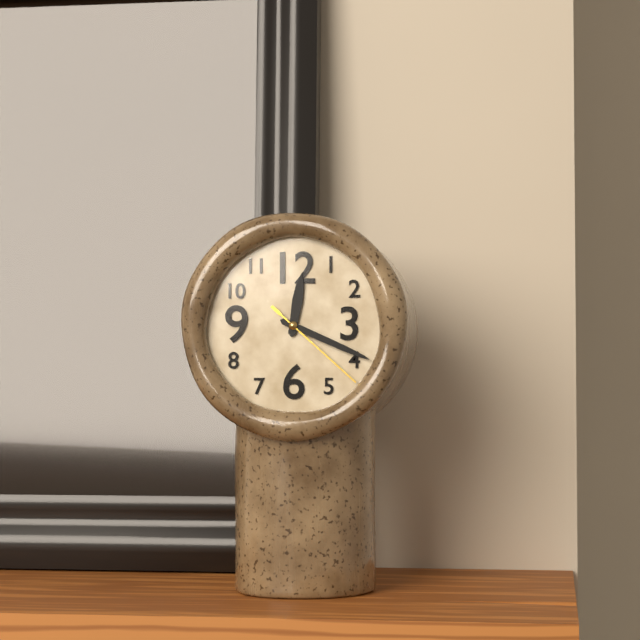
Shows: 12 h 19 min 22 s
